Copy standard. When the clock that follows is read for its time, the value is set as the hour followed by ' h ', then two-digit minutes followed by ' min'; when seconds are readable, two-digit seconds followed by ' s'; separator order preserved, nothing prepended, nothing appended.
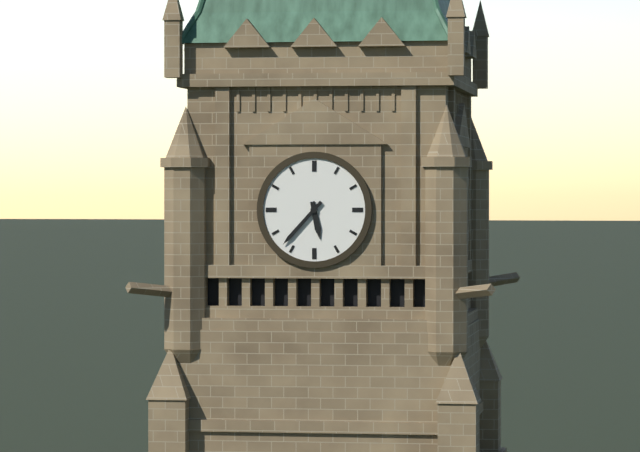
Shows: 5 h 37 min
